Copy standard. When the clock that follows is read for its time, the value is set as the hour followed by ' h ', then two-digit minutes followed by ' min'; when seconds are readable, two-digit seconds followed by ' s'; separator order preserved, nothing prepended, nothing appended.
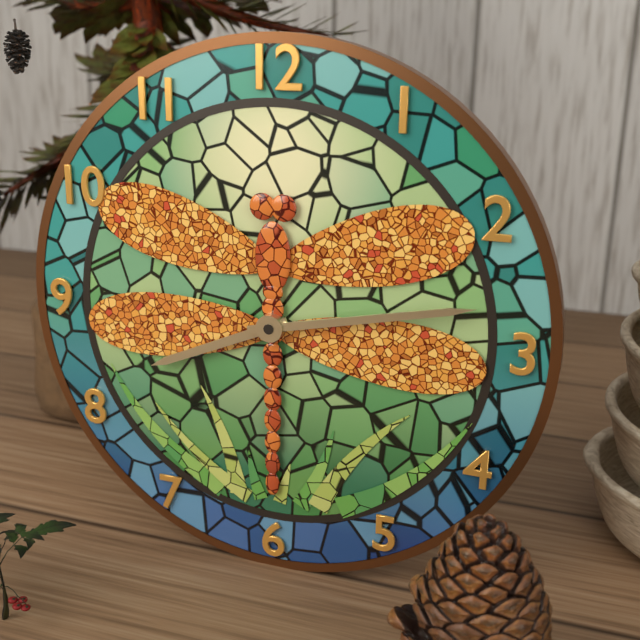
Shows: 8 h 13 min
